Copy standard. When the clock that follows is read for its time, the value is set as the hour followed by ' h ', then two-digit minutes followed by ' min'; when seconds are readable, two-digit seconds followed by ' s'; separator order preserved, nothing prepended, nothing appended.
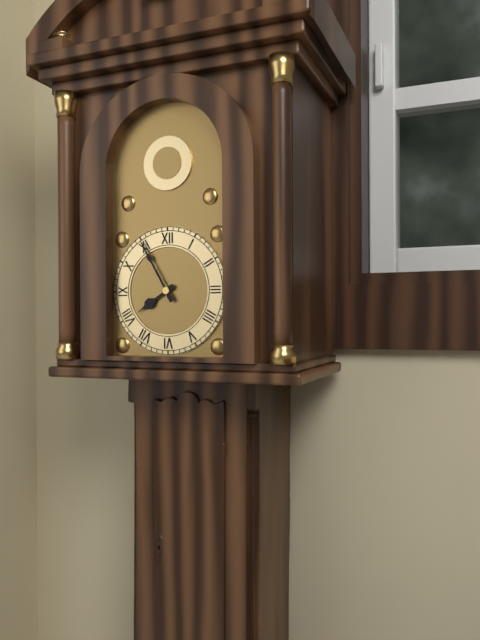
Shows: 7 h 55 min
